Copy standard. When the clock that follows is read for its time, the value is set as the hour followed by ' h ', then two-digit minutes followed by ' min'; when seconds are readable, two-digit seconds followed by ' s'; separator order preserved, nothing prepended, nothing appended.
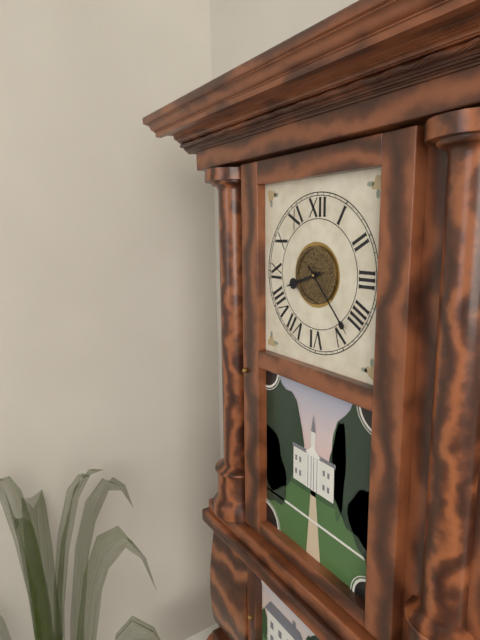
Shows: 8 h 23 min
